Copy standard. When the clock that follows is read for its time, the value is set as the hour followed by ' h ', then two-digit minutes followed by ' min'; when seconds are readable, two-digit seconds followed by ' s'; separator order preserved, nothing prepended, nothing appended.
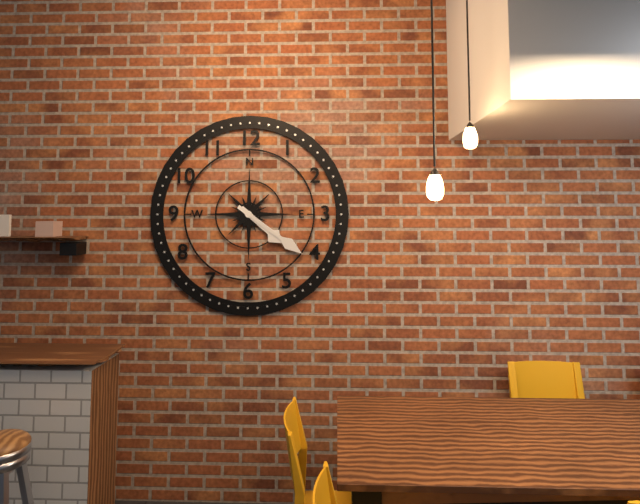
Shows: 4 h 21 min
